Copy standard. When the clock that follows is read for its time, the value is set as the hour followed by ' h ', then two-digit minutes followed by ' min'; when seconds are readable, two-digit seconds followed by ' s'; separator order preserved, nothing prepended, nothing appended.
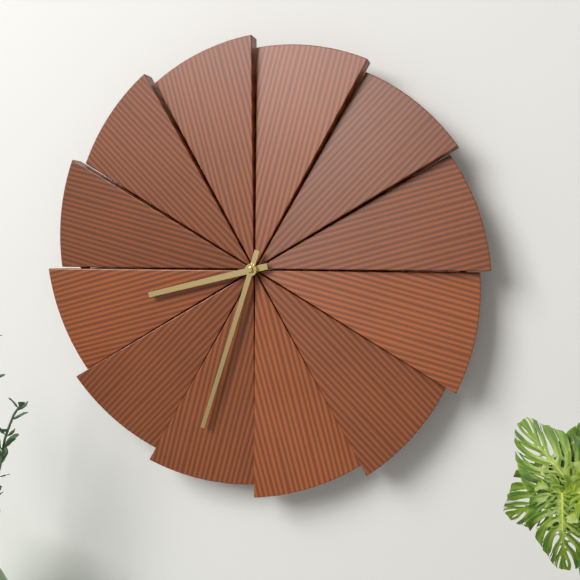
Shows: 8 h 33 min
